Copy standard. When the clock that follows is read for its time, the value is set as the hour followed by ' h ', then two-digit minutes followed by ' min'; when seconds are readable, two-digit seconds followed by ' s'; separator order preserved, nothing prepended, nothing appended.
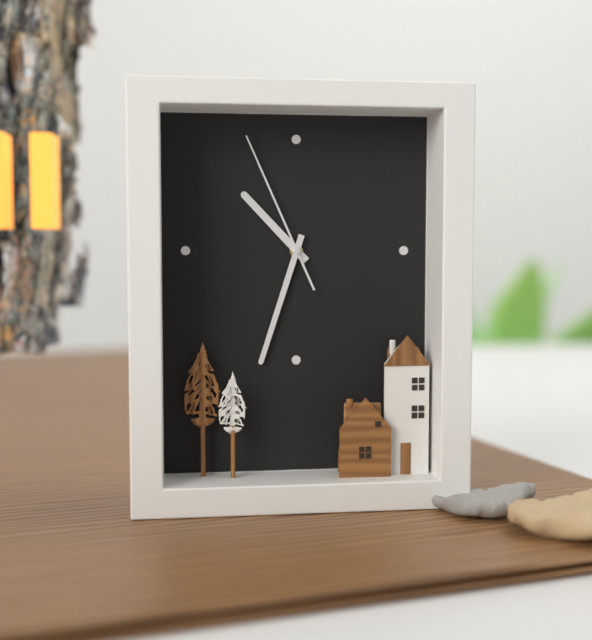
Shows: 10 h 33 min 56 s
